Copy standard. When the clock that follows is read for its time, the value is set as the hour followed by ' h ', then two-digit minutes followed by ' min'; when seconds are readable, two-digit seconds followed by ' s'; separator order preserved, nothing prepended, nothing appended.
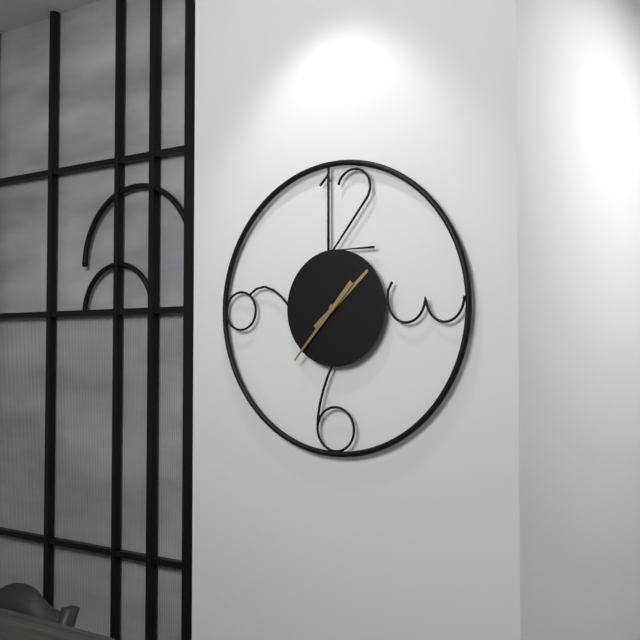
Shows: 1 h 37 min
